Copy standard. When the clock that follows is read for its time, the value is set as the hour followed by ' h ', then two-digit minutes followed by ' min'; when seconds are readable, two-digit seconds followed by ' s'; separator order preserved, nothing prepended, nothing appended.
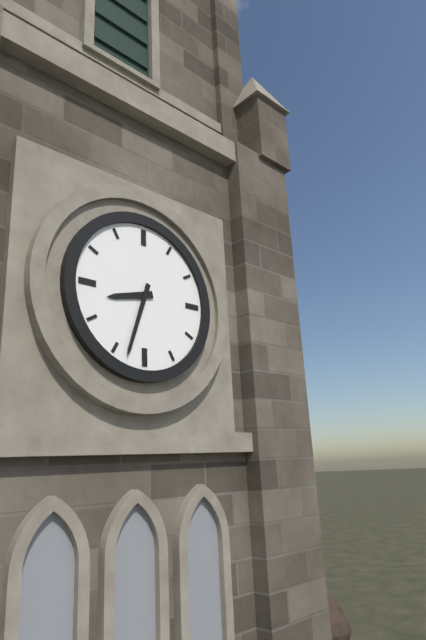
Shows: 8 h 33 min
